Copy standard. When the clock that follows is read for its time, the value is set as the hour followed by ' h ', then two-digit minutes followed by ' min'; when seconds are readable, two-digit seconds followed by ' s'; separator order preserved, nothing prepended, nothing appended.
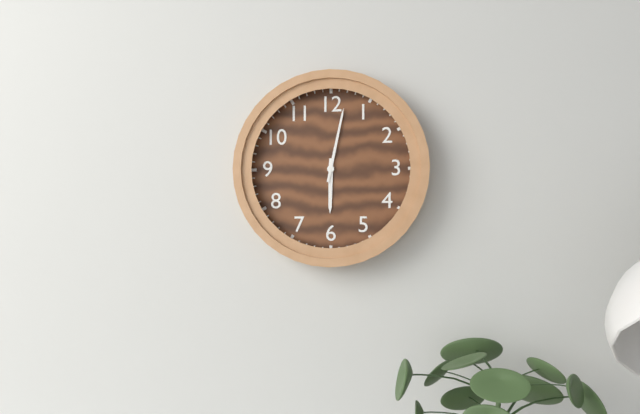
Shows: 6 h 02 min
